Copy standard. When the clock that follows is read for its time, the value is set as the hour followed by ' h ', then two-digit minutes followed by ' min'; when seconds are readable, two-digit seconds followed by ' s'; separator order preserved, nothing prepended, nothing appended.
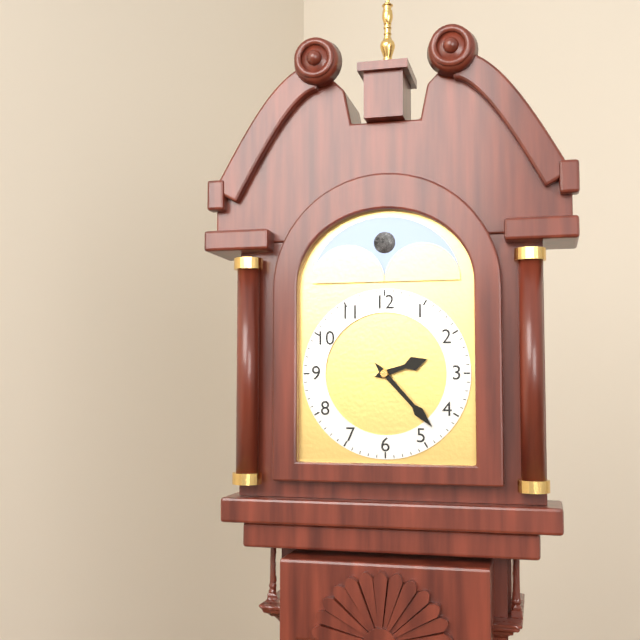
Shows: 2 h 23 min
